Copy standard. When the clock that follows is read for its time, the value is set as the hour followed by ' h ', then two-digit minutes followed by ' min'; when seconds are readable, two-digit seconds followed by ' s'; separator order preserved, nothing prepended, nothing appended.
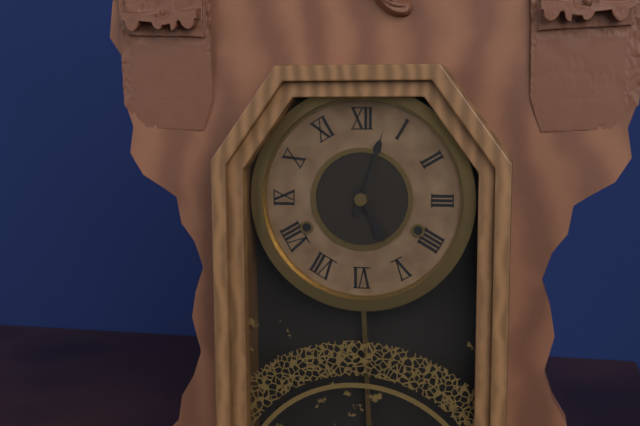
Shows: 5 h 03 min
